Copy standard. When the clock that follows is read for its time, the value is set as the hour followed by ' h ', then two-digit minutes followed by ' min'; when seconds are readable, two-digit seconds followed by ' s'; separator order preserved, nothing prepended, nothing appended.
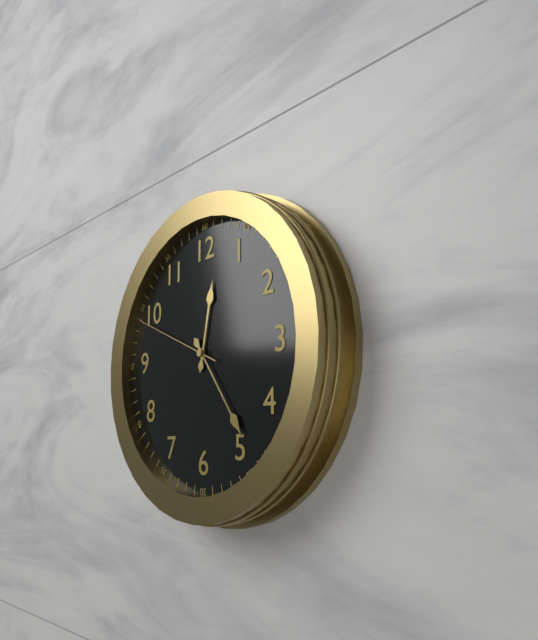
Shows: 12 h 24 min 49 s
